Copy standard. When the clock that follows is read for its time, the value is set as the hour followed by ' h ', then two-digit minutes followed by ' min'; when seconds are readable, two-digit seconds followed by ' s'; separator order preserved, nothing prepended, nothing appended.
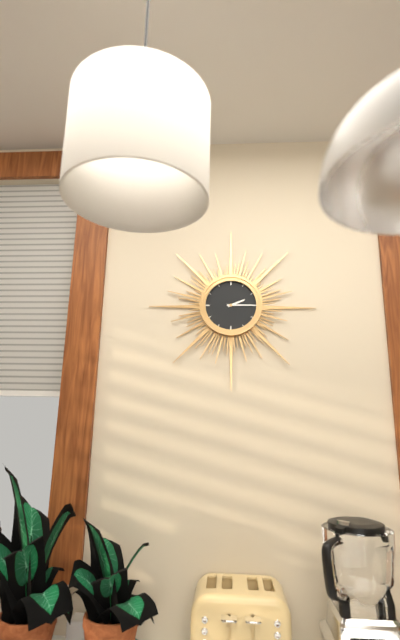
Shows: 2 h 15 min
